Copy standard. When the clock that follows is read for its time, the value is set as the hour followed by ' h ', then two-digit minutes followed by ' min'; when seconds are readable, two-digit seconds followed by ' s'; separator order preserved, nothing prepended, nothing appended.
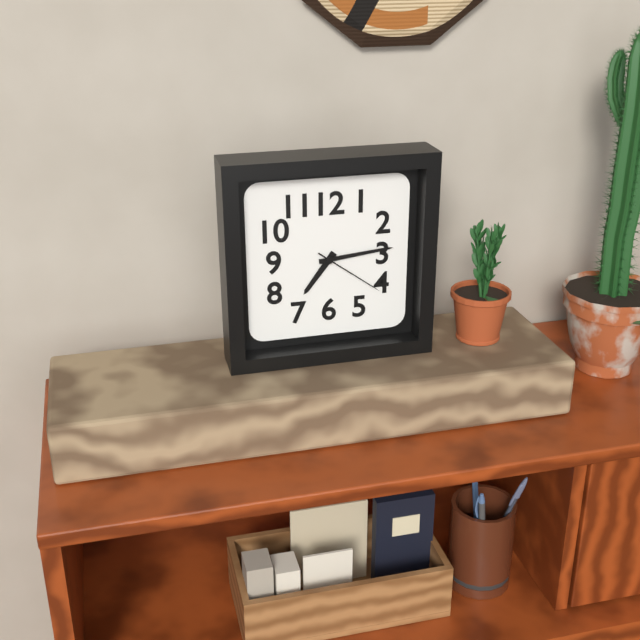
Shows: 7 h 14 min 21 s
